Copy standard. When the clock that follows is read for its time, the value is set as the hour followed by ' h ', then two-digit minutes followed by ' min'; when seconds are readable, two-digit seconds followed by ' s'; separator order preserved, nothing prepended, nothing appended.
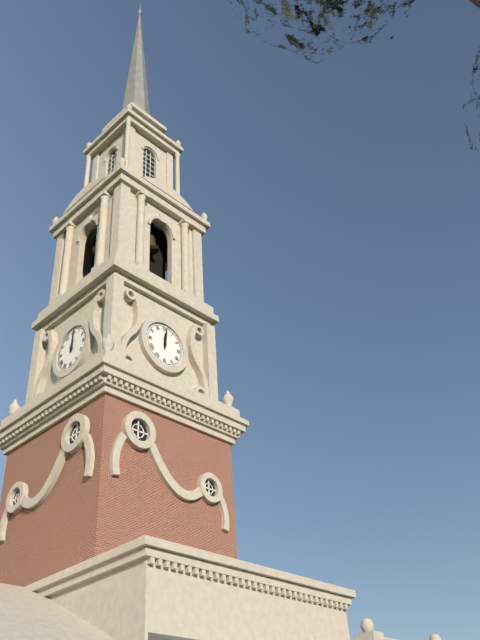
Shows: 12 h 01 min
